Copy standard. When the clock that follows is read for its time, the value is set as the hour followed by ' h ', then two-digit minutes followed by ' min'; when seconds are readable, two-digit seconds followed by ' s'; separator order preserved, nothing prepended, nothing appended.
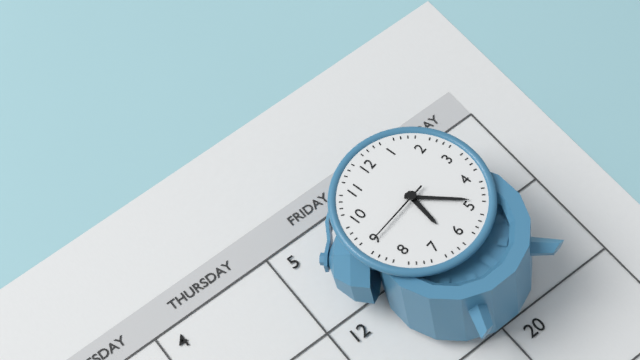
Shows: 6 h 24 min 45 s
